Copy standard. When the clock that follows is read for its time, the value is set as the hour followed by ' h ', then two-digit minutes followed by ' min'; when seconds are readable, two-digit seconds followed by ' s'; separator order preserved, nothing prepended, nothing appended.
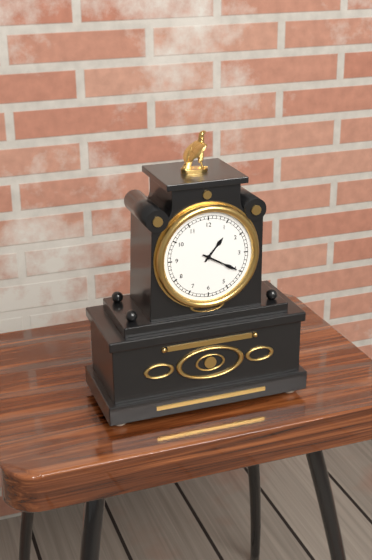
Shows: 1 h 20 min
